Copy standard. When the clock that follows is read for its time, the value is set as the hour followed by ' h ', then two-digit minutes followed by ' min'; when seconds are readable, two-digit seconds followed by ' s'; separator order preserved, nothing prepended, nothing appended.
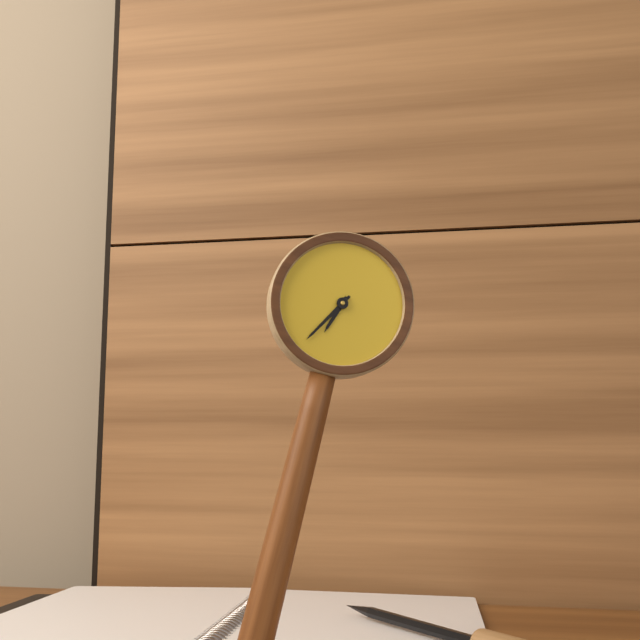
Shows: 6 h 35 min
